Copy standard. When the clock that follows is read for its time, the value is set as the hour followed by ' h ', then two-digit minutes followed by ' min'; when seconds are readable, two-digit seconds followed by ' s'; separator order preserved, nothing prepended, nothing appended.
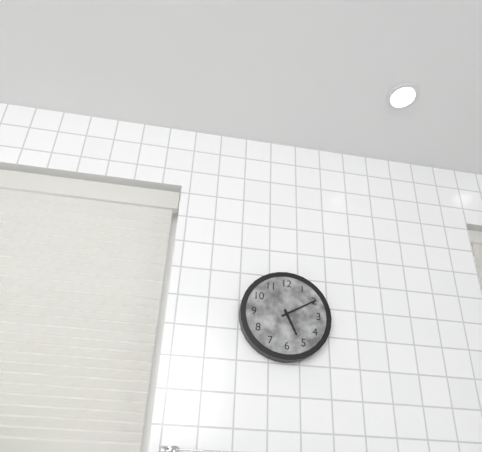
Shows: 5 h 10 min
